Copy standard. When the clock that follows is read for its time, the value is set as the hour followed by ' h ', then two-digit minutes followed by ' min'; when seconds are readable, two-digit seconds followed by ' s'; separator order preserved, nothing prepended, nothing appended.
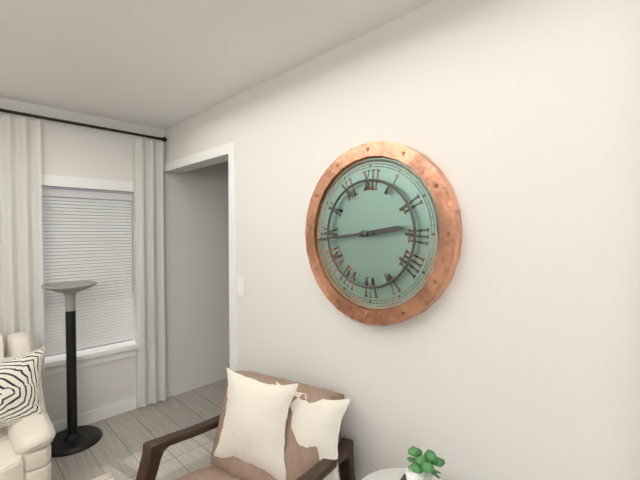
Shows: 2 h 44 min
